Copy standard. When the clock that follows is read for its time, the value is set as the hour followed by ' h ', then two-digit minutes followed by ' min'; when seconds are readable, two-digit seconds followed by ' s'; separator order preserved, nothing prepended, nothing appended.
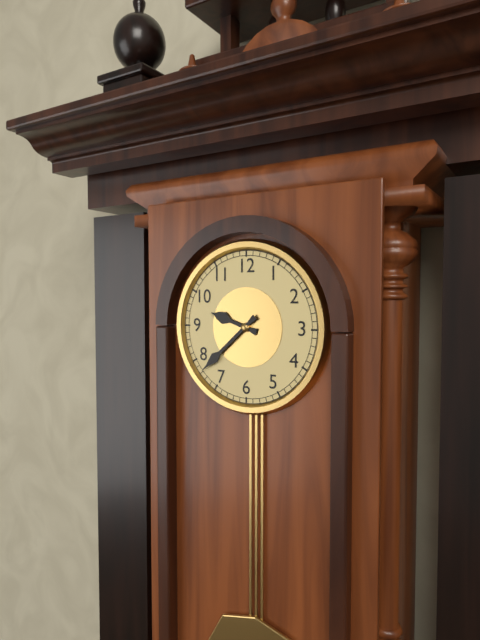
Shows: 9 h 38 min
